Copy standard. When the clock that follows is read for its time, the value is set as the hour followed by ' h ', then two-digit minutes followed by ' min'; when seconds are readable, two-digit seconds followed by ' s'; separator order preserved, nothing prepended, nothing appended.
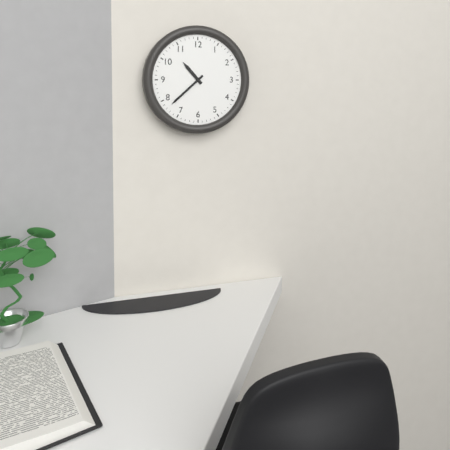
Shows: 10 h 38 min
